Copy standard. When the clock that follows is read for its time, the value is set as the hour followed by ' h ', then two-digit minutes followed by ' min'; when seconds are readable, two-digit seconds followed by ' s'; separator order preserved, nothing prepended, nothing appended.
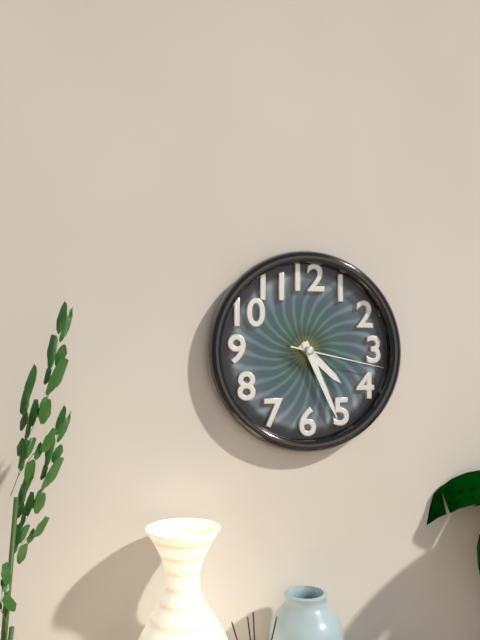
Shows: 4 h 26 min 17 s
